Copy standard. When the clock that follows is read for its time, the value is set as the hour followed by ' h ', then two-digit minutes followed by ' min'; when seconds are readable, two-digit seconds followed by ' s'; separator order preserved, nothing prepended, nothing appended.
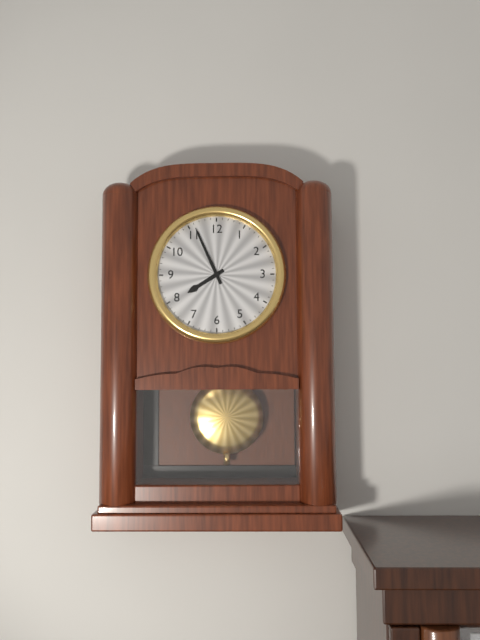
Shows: 7 h 56 min
